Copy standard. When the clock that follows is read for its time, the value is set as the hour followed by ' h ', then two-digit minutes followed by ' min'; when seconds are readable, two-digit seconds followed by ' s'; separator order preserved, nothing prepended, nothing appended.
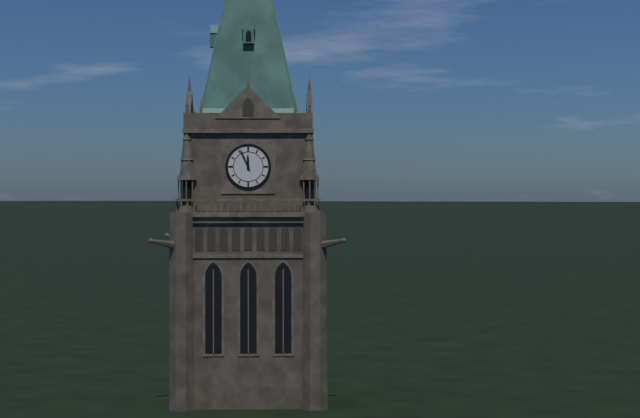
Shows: 11 h 56 min
